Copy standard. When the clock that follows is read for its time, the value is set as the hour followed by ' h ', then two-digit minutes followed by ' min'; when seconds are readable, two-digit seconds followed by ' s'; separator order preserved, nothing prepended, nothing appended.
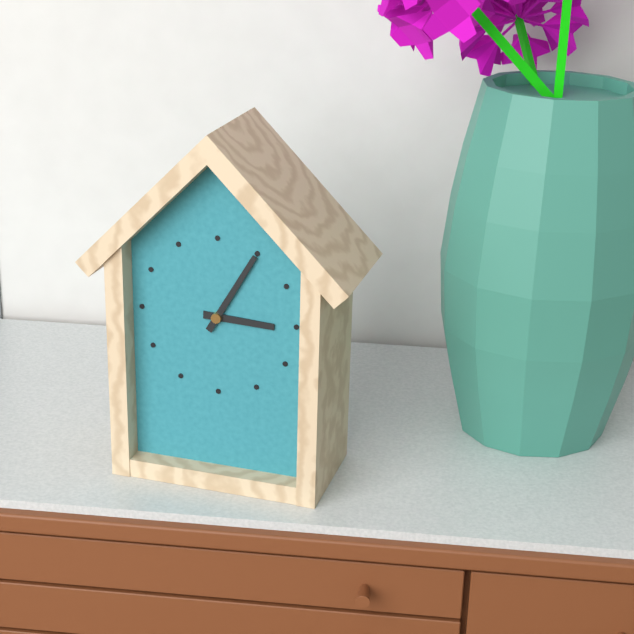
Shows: 3 h 05 min
